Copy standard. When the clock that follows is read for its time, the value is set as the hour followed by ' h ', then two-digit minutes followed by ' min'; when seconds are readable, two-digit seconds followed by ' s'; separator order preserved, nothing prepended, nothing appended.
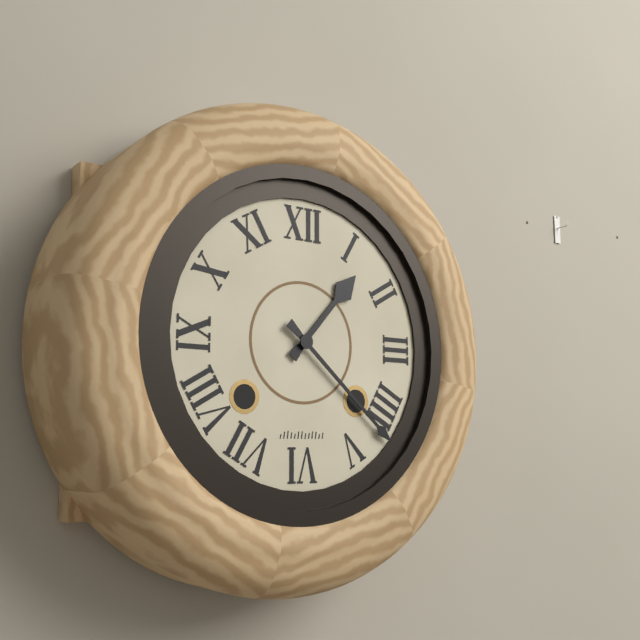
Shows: 1 h 22 min
